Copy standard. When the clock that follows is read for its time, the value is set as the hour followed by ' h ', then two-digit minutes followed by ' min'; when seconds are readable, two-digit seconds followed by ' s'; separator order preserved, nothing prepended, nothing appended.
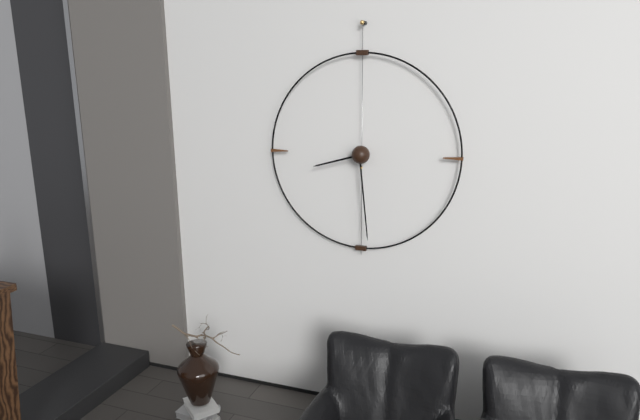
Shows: 8 h 29 min
